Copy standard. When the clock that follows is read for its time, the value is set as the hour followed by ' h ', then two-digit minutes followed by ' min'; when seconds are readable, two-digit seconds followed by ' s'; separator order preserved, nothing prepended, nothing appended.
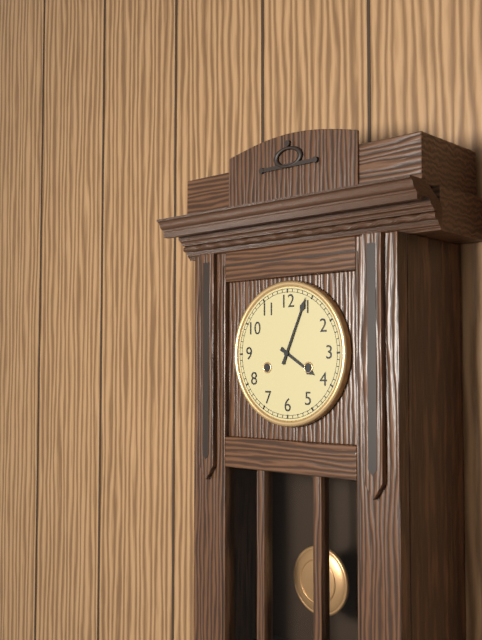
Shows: 4 h 04 min
